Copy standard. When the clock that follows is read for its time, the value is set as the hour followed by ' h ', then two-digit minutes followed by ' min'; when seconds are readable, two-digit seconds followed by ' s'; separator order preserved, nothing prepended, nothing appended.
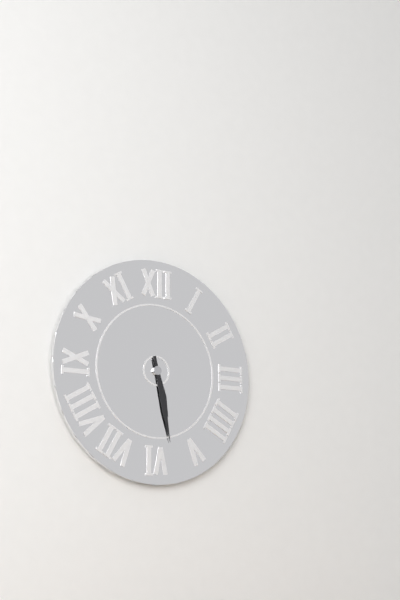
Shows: 5 h 28 min
